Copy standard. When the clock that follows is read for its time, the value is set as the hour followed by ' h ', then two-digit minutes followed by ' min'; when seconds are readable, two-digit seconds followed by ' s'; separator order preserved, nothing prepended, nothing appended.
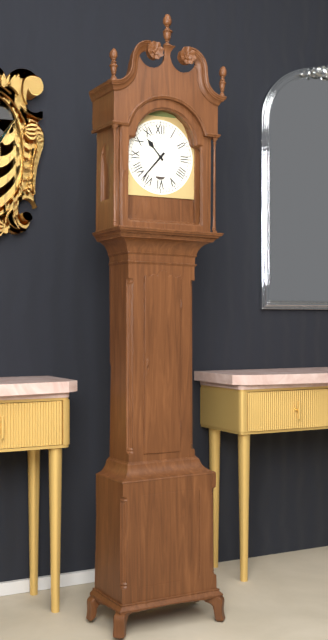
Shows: 10 h 37 min
